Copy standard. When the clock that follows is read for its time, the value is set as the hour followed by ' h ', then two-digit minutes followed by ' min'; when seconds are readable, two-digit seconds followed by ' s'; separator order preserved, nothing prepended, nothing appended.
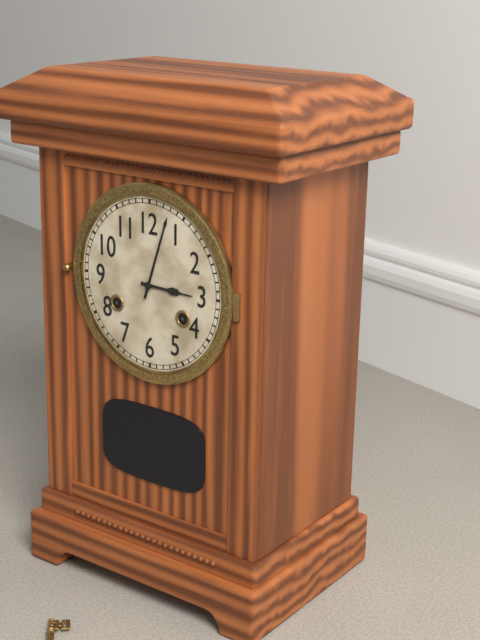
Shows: 3 h 03 min
